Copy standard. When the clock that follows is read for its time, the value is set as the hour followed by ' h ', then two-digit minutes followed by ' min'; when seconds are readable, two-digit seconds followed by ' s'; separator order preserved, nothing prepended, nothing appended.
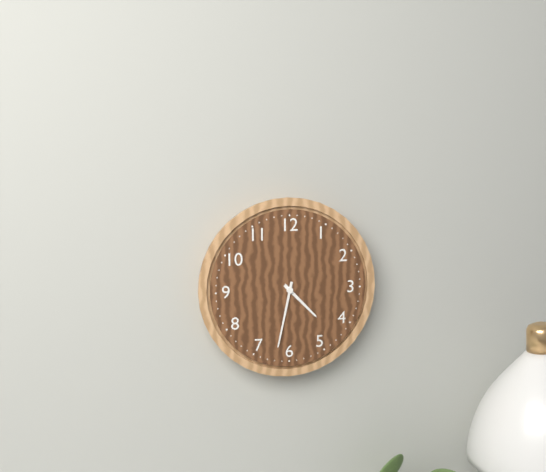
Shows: 4 h 32 min
